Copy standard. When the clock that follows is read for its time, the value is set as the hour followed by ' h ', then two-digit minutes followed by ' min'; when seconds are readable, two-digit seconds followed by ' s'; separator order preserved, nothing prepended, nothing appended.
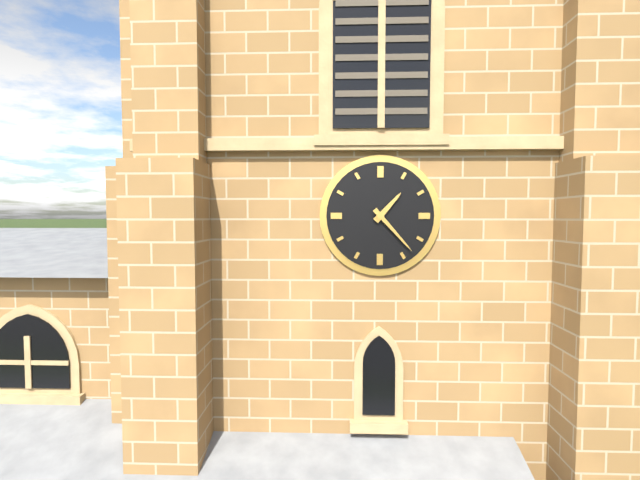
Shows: 1 h 23 min
